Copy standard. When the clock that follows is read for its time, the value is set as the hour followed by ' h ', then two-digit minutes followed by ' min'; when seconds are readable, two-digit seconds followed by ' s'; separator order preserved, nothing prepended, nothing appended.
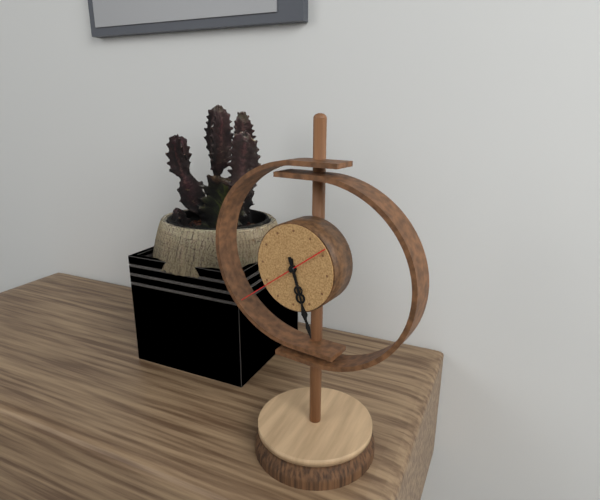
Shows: 5 h 27 min 39 s
